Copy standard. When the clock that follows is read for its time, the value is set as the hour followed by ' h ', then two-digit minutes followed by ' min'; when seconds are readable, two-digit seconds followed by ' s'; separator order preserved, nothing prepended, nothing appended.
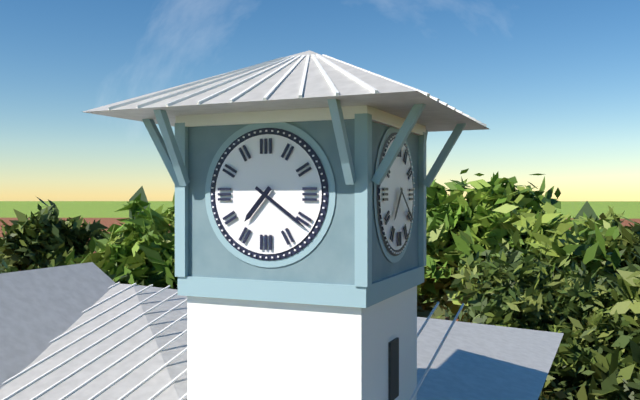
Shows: 7 h 21 min
